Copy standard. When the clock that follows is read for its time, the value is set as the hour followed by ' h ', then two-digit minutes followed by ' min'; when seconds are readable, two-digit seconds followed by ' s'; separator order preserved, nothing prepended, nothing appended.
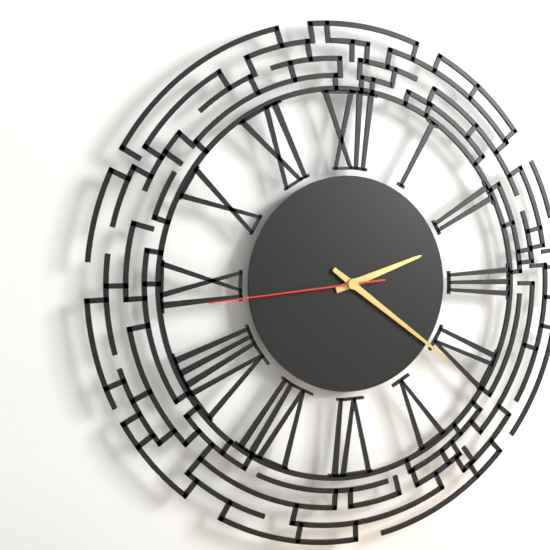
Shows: 2 h 21 min 44 s
